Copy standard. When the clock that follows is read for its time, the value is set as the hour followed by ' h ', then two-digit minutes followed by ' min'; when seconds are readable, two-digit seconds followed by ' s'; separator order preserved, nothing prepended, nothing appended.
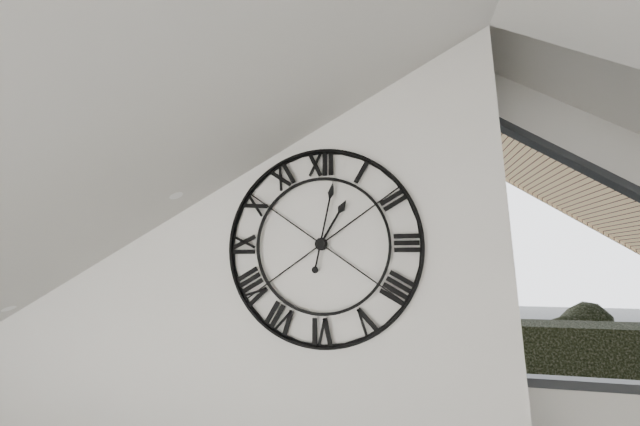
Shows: 1 h 02 min
